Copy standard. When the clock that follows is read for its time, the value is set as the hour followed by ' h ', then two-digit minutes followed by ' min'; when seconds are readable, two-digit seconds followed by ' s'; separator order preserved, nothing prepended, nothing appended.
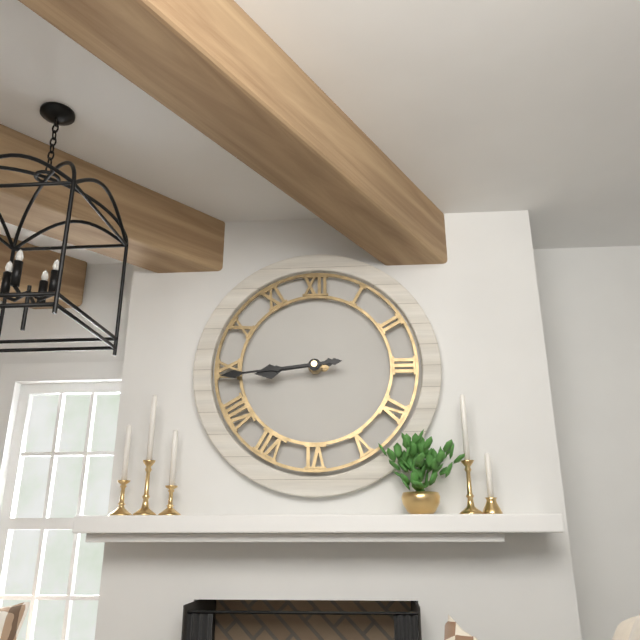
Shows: 8 h 44 min
